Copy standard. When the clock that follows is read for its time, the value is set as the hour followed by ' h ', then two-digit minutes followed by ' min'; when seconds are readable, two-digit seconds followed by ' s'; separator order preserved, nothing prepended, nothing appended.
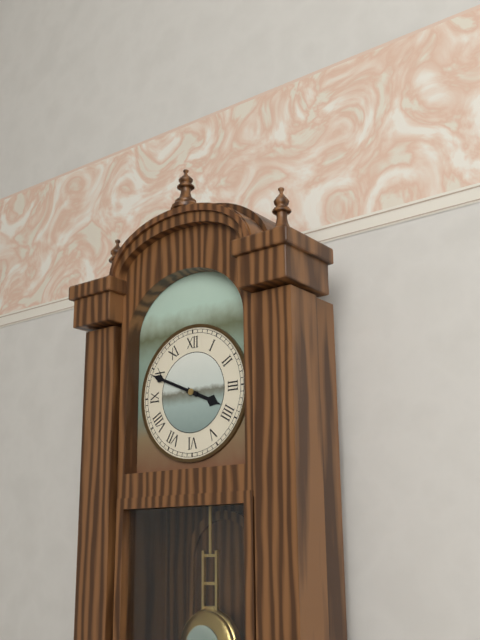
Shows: 3 h 49 min
